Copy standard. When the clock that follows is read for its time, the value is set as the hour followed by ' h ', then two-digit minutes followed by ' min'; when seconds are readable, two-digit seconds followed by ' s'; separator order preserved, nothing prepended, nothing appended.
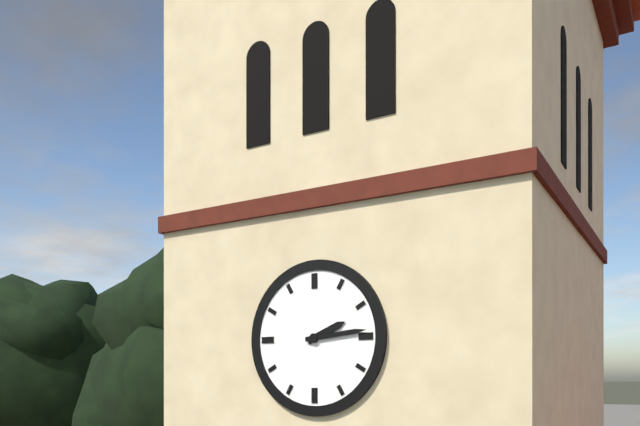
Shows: 2 h 14 min
